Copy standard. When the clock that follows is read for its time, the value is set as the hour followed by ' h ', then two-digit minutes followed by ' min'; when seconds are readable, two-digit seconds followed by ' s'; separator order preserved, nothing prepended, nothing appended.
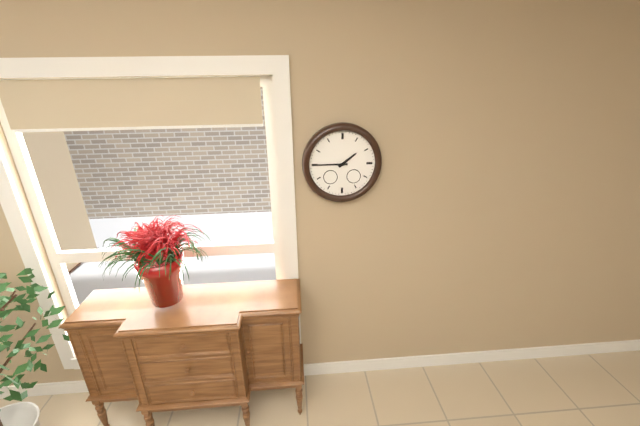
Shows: 1 h 45 min
